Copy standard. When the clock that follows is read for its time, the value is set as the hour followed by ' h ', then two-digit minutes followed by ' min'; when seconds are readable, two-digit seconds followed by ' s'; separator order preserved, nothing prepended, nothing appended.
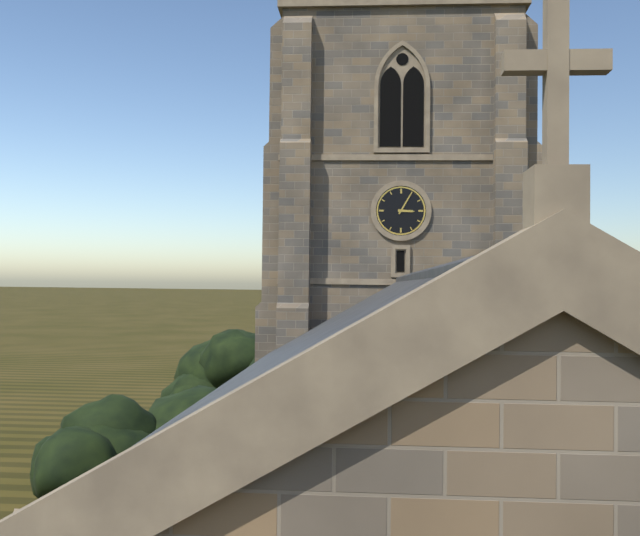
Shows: 3 h 05 min
